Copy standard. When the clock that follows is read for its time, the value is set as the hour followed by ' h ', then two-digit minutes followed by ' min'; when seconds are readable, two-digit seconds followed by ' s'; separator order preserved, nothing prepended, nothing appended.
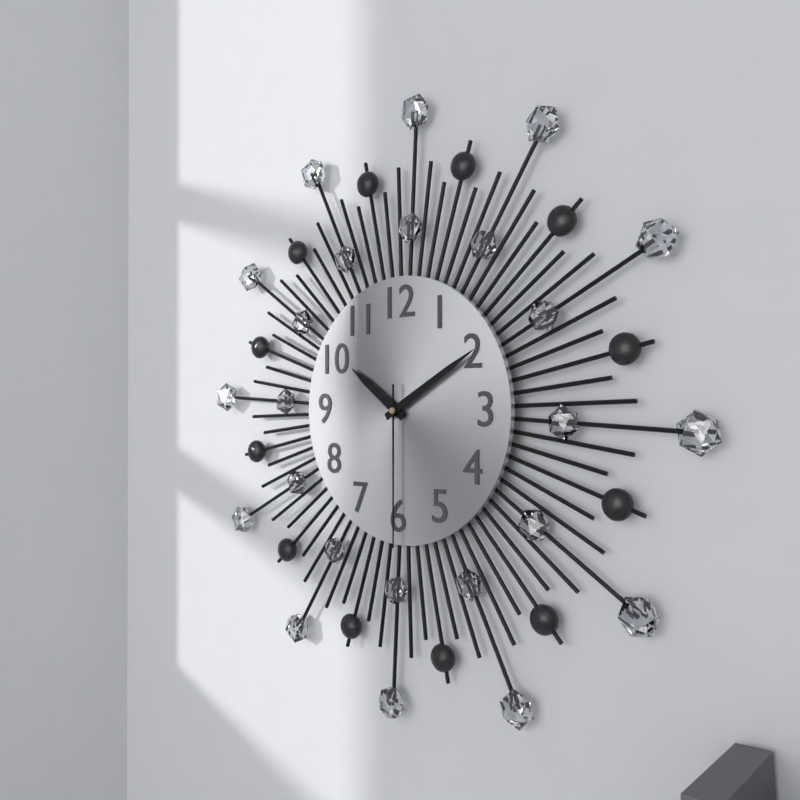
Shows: 10 h 10 min 30 s
